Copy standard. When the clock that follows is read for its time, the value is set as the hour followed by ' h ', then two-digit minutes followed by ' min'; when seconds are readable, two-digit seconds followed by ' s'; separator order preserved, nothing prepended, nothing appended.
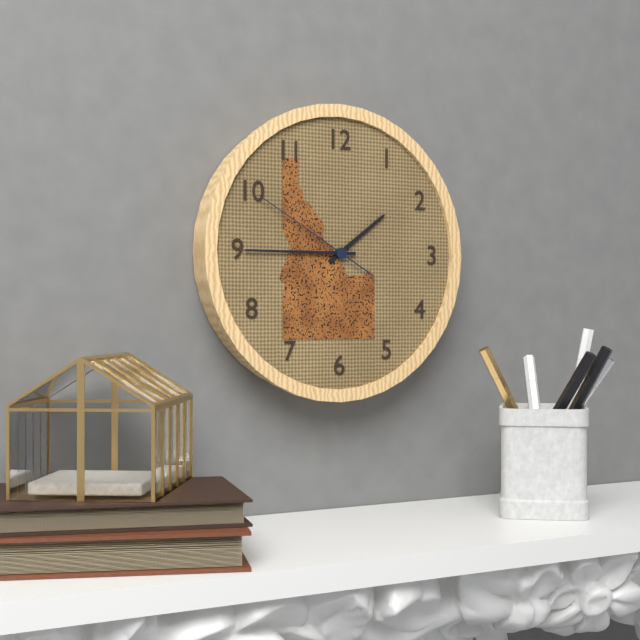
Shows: 1 h 45 min 50 s
